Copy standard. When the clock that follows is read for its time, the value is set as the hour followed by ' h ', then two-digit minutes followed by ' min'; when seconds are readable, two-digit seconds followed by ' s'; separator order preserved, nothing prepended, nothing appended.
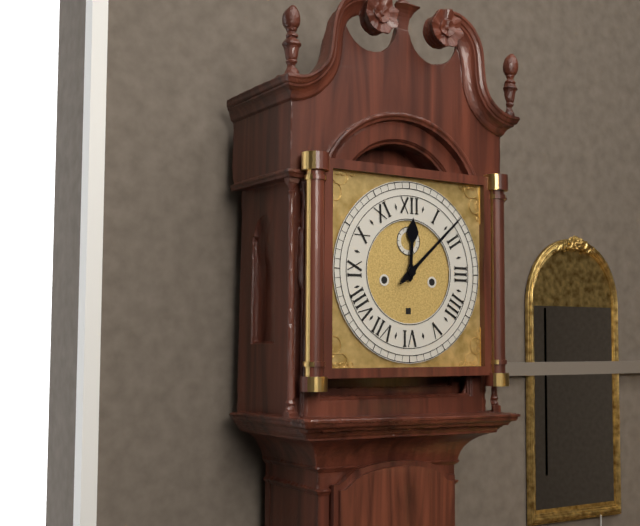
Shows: 12 h 08 min
